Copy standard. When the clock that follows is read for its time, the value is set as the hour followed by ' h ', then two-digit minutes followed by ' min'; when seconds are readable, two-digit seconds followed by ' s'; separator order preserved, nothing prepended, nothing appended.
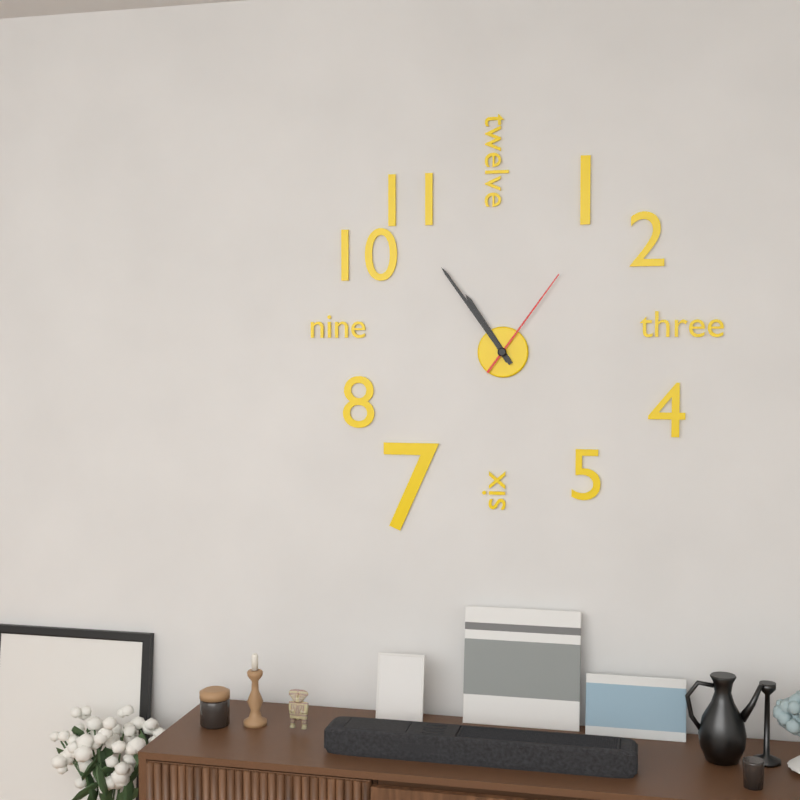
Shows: 10 h 54 min 06 s
